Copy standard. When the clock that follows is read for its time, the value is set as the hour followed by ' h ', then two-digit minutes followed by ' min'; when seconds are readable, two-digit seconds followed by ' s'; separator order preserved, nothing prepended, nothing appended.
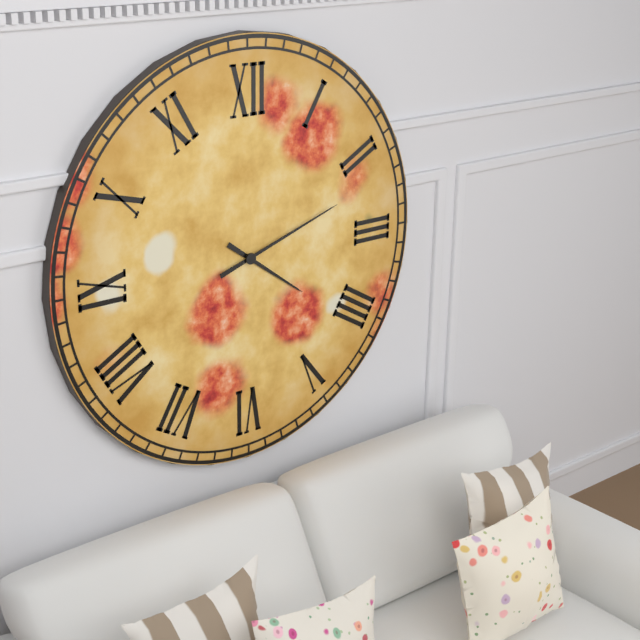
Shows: 4 h 12 min
